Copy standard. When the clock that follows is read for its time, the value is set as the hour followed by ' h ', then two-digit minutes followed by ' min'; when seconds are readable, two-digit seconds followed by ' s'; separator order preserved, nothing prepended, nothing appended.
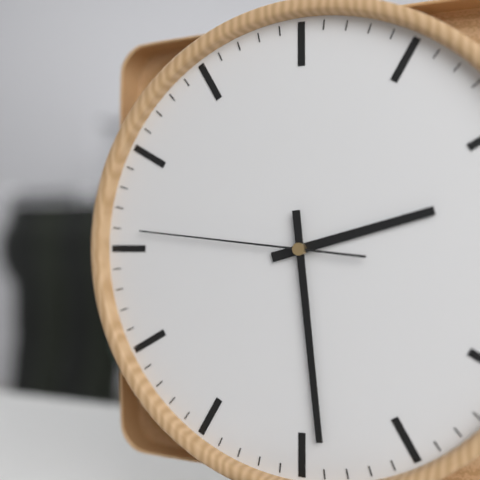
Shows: 2 h 29 min 46 s
